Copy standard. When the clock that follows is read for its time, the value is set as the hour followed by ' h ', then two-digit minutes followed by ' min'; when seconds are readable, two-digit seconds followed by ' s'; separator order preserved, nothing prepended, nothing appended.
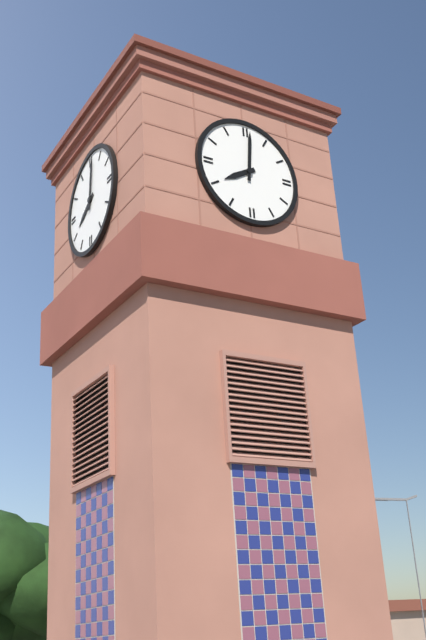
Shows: 8 h 01 min
